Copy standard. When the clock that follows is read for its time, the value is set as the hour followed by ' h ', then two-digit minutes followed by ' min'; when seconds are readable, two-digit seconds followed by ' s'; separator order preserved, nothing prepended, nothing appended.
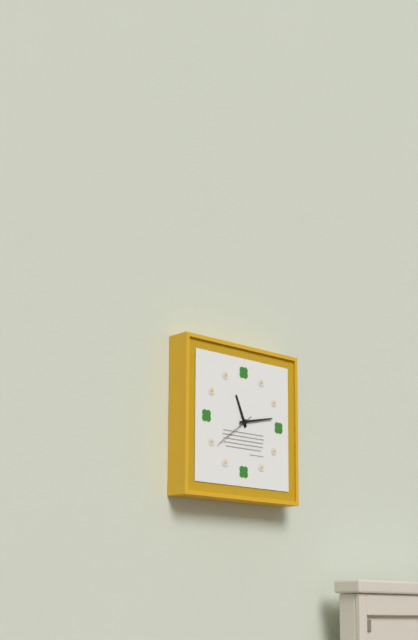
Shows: 11 h 13 min
